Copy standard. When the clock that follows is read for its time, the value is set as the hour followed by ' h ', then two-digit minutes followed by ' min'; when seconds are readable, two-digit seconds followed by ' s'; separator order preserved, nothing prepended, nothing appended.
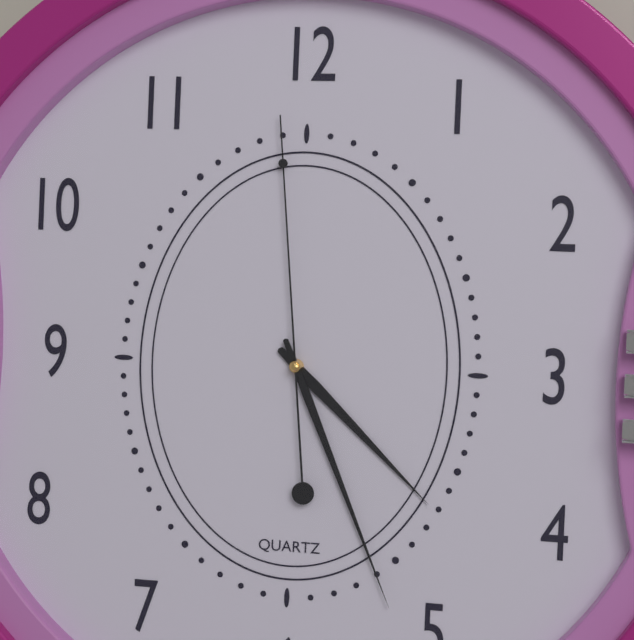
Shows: 4 h 26 min 59 s
